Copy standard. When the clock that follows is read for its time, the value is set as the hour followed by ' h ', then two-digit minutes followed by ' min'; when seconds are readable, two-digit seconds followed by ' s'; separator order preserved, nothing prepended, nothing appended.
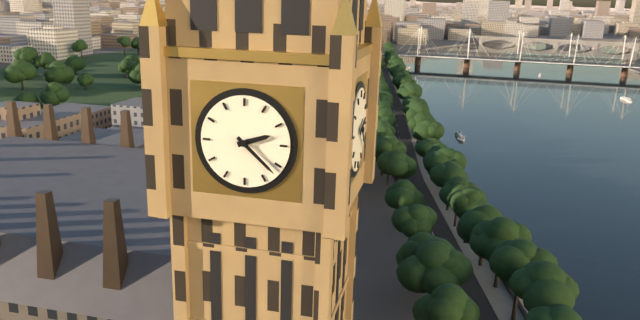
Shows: 2 h 22 min
